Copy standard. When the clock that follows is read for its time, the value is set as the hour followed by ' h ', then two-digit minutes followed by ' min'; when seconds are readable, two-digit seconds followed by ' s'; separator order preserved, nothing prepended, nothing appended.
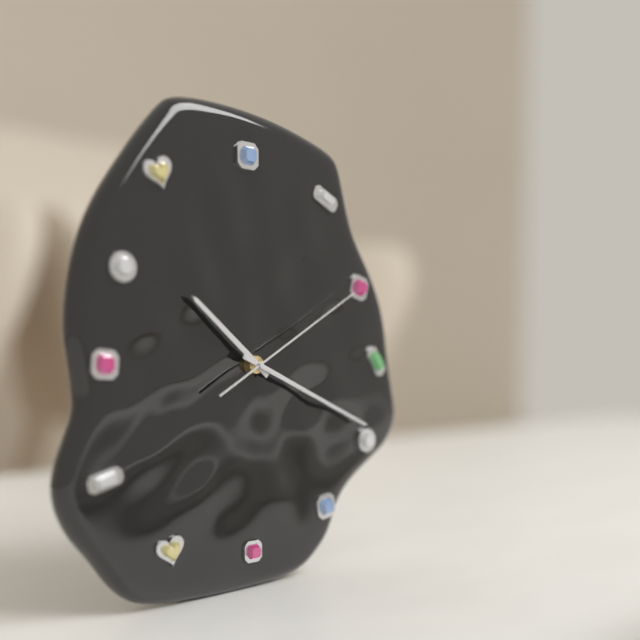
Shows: 10 h 19 min 10 s
